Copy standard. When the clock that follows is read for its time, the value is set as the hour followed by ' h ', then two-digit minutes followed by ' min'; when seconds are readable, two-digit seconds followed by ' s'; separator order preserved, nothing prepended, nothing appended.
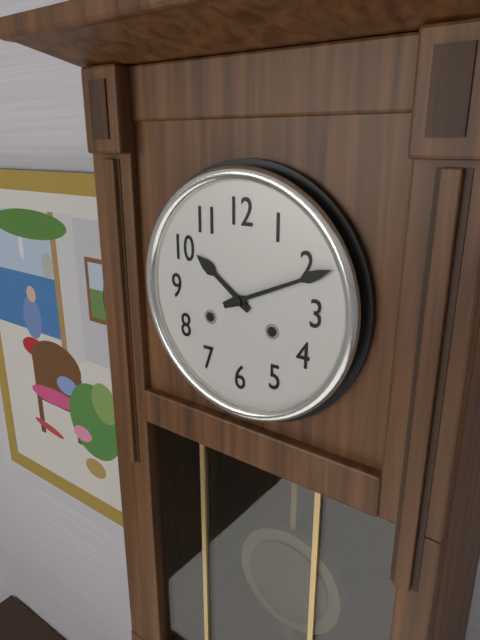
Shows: 10 h 11 min
